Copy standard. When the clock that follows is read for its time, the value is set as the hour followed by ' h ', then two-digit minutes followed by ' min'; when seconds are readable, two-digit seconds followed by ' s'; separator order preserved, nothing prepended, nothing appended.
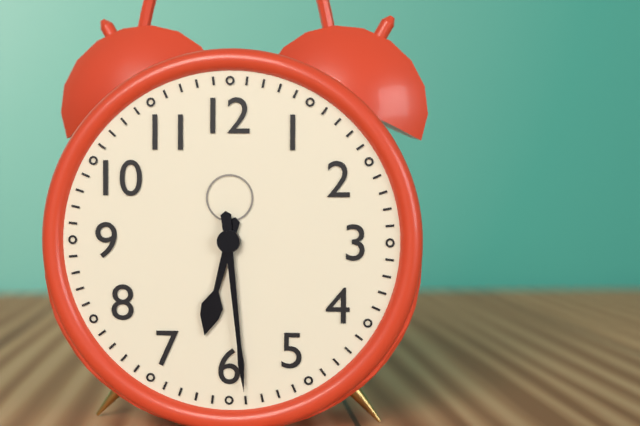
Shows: 6 h 29 min
